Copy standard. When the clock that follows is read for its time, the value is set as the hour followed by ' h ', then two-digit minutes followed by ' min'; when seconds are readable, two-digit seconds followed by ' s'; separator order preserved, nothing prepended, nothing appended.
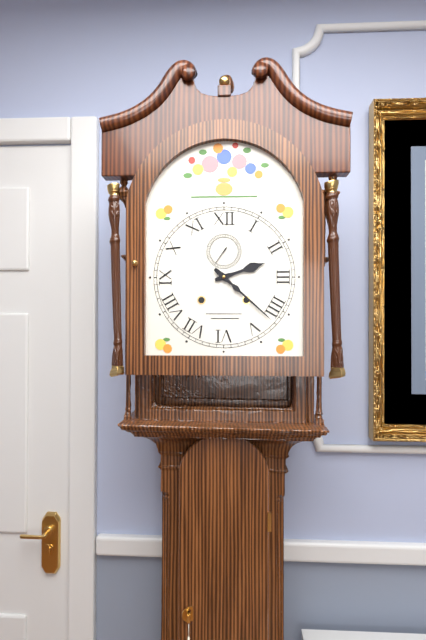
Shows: 2 h 22 min
